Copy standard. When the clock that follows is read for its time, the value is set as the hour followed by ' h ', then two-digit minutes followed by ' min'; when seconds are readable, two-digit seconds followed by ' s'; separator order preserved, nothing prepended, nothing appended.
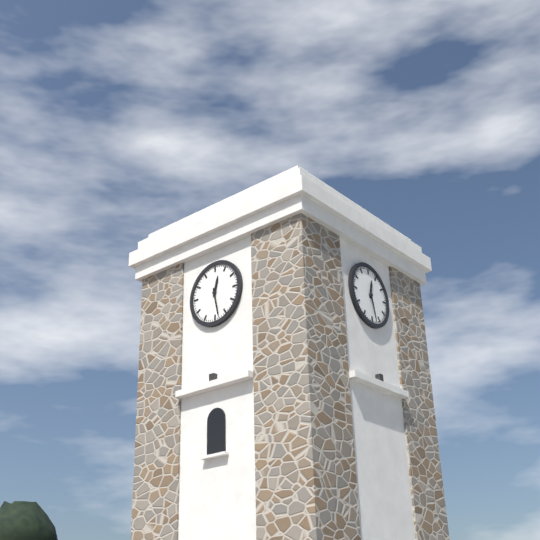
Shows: 12 h 28 min
